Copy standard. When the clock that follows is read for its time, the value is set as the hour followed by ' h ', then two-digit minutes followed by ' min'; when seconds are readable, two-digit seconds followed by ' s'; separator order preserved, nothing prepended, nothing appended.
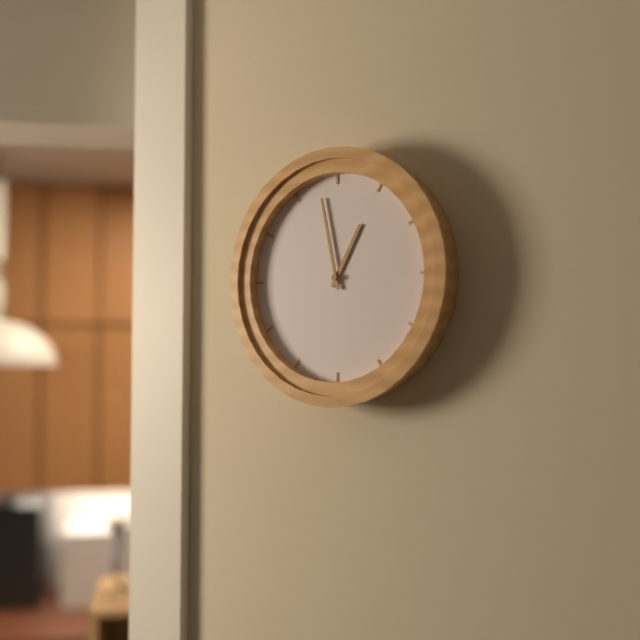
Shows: 12 h 58 min
